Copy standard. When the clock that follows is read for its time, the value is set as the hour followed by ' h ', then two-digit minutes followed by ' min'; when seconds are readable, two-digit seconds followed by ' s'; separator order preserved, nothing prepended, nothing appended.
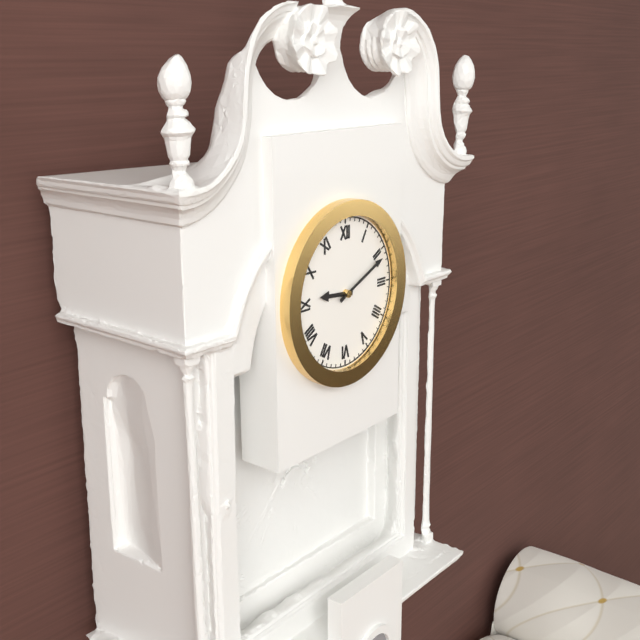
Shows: 9 h 11 min
